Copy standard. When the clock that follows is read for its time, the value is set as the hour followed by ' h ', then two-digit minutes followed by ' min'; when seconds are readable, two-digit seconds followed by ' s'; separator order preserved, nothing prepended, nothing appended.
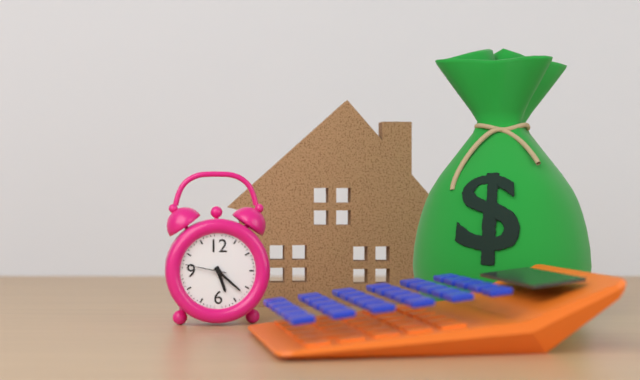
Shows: 5 h 22 min
